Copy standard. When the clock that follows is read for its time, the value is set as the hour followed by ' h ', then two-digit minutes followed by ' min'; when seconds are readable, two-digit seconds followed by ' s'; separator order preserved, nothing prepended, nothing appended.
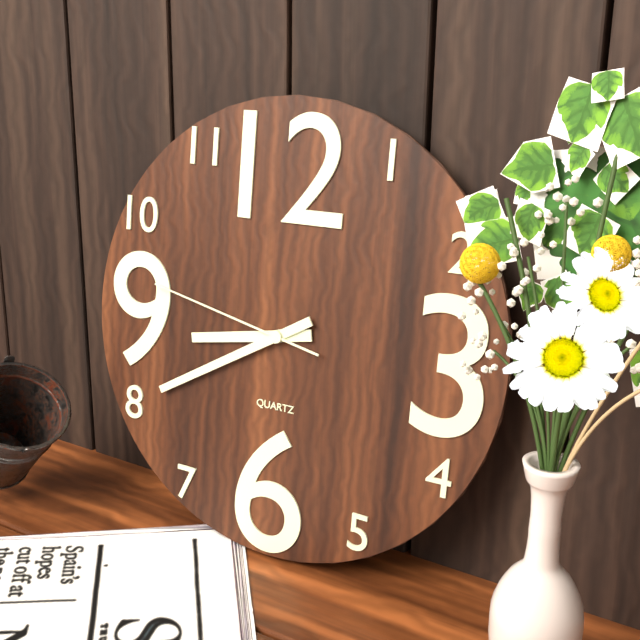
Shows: 8 h 40 min 47 s
